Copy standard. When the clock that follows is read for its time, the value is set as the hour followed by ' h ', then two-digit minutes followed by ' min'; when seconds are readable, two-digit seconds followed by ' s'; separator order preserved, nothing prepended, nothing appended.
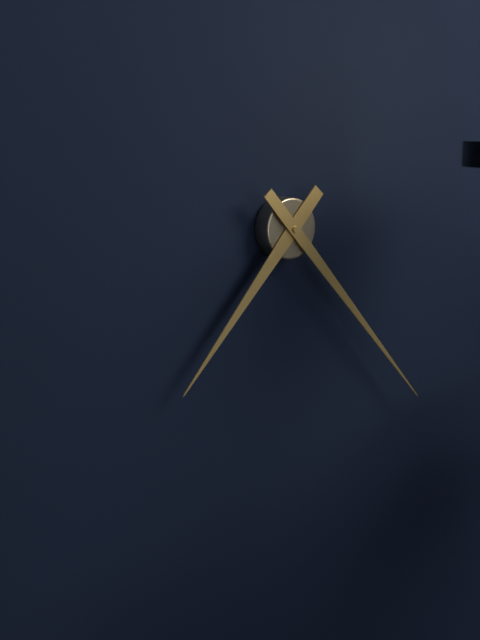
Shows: 7 h 23 min
